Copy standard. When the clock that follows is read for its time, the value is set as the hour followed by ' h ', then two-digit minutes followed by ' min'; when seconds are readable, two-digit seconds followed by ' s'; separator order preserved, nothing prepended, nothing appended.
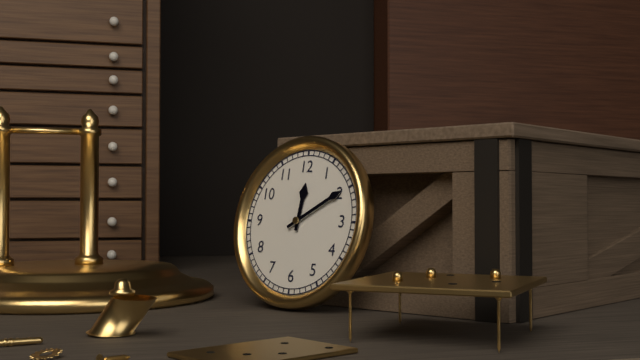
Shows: 12 h 10 min
